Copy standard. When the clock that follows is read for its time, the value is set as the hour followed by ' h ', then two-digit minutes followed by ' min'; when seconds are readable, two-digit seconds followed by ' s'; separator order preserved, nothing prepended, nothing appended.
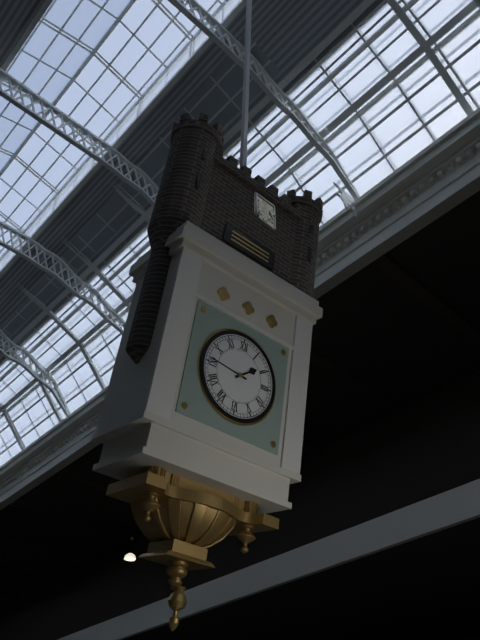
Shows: 1 h 46 min
